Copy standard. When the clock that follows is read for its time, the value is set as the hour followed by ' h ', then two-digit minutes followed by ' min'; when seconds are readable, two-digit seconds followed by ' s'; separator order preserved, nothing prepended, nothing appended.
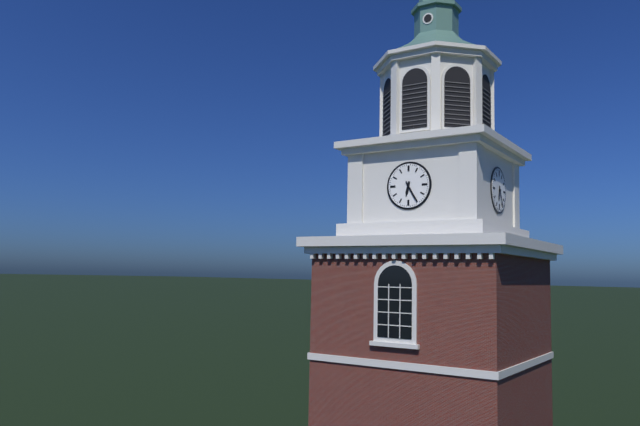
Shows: 6 h 25 min
